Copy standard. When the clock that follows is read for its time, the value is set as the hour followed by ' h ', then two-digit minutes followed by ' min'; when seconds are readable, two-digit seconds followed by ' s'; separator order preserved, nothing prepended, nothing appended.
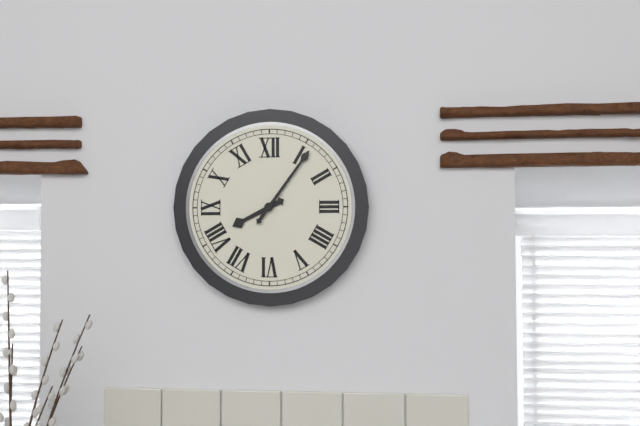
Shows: 8 h 06 min
